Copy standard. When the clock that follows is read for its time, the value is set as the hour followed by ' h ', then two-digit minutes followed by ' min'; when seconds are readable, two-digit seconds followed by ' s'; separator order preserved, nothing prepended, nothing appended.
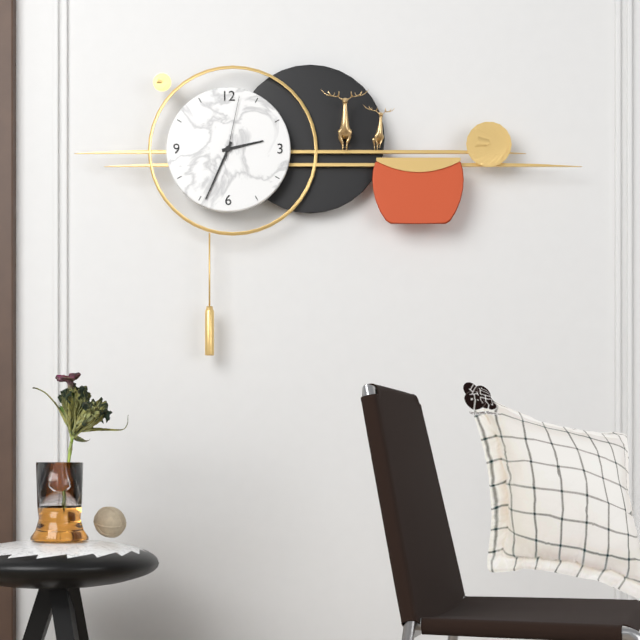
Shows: 2 h 34 min 02 s
